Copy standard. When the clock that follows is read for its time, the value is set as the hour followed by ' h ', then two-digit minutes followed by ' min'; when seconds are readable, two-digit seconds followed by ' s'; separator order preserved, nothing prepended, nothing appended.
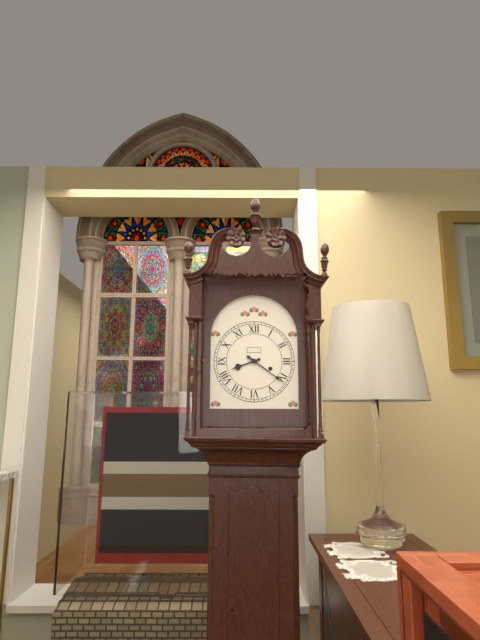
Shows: 8 h 21 min
